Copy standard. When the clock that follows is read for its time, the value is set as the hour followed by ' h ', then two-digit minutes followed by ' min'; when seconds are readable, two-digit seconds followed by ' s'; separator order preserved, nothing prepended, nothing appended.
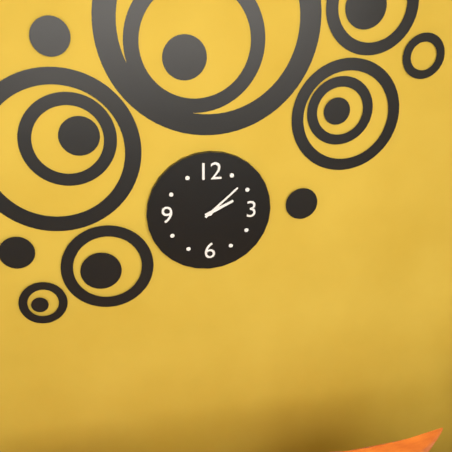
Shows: 2 h 08 min
